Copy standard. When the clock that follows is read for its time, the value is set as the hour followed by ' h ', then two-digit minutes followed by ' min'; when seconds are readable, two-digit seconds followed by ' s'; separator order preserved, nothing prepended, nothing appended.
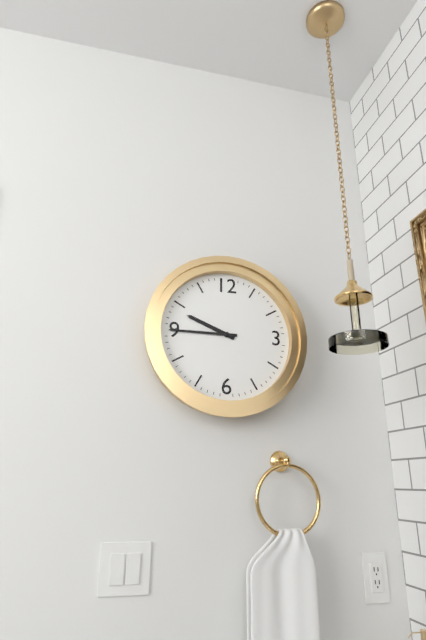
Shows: 9 h 45 min
